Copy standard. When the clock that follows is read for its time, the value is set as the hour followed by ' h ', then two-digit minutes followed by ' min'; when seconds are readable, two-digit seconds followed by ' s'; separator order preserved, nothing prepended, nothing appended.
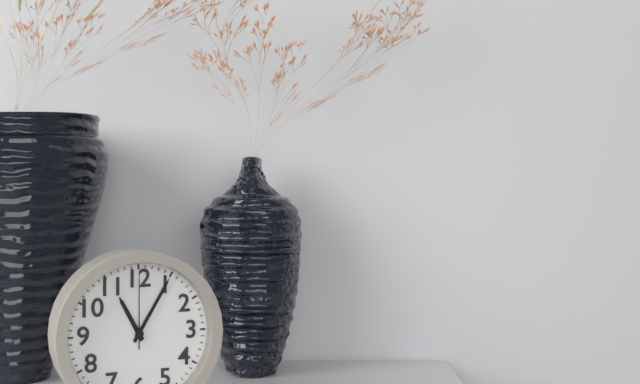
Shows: 11 h 05 min 00 s
